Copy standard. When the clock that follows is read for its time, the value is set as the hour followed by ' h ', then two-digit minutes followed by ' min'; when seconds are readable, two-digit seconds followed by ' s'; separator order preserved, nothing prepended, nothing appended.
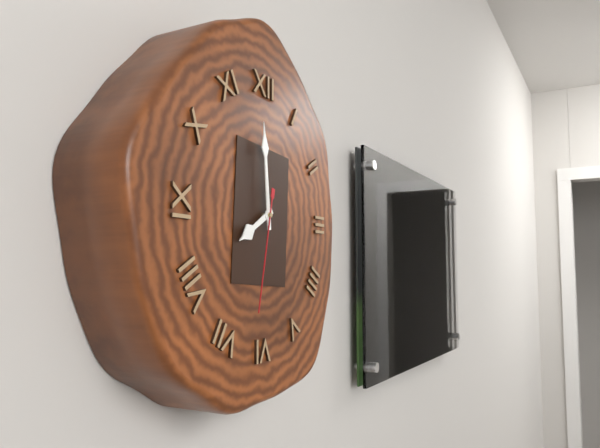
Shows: 7 h 59 min 32 s
